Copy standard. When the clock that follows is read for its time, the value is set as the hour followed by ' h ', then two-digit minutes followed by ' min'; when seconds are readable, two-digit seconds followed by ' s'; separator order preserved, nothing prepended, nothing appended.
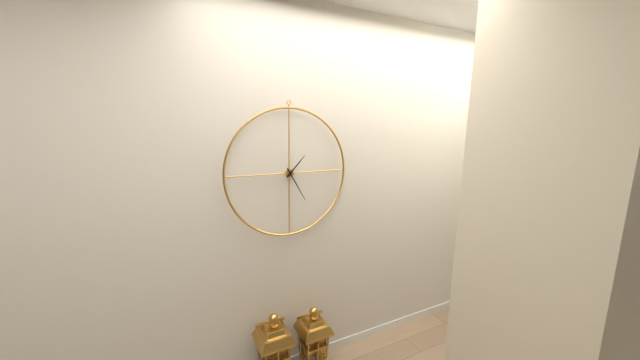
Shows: 1 h 25 min
